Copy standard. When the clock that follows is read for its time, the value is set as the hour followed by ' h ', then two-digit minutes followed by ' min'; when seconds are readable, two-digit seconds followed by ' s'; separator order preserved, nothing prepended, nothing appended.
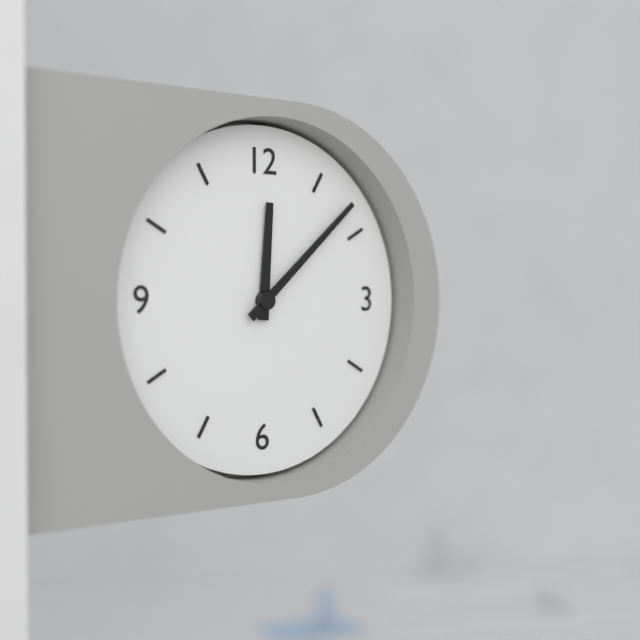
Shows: 12 h 08 min
